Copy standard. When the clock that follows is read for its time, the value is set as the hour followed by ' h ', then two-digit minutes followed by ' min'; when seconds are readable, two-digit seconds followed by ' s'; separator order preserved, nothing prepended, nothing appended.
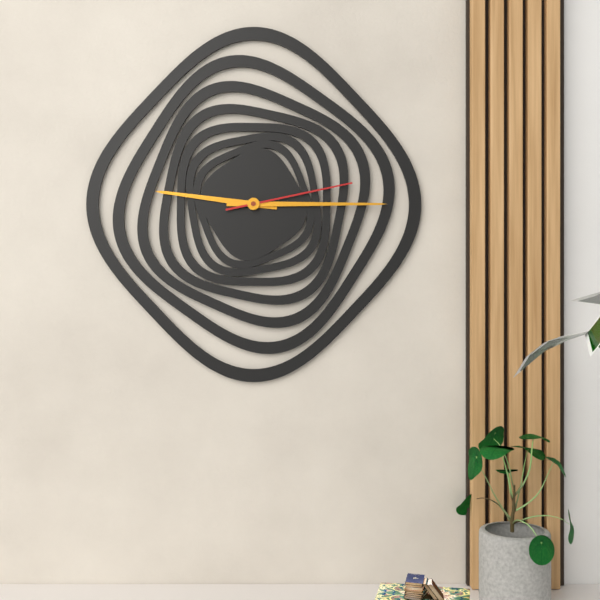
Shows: 9 h 15 min 13 s
